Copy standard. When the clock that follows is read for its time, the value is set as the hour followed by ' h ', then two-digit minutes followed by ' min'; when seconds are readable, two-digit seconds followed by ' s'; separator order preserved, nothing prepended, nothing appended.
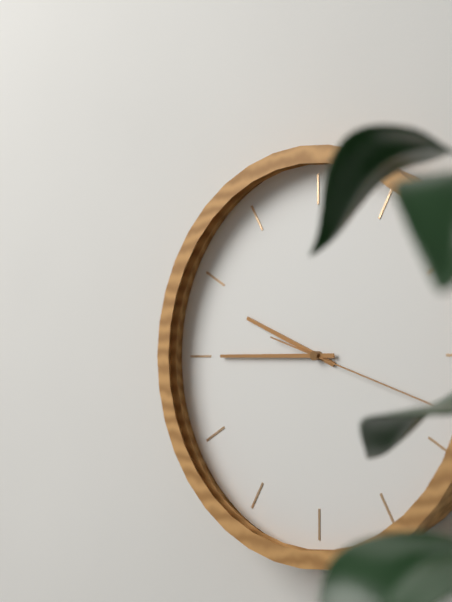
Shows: 9 h 45 min 18 s
